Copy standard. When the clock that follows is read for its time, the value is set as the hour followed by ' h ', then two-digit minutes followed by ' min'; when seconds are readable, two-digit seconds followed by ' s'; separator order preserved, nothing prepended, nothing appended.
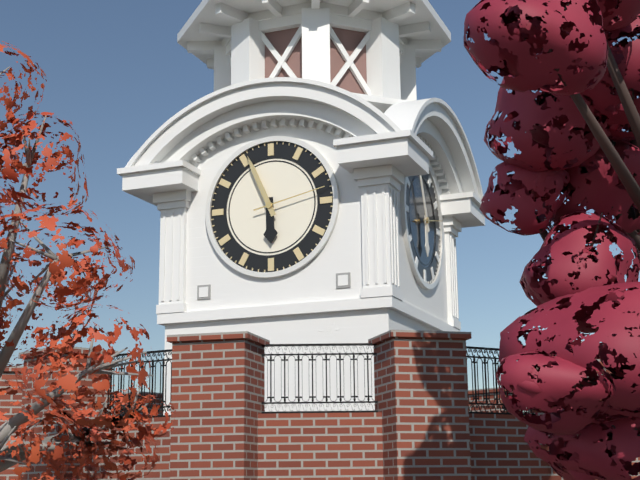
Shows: 5 h 56 min 13 s
